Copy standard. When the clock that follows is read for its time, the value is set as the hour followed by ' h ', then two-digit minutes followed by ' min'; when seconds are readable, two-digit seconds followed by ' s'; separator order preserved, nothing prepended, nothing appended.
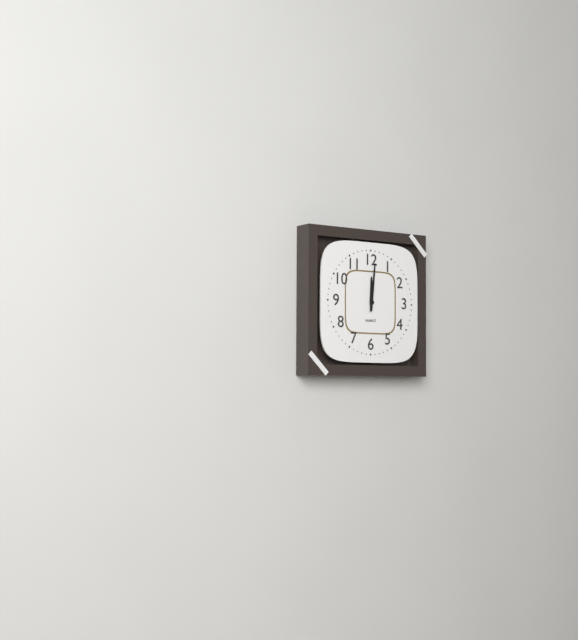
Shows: 12 h 01 min
